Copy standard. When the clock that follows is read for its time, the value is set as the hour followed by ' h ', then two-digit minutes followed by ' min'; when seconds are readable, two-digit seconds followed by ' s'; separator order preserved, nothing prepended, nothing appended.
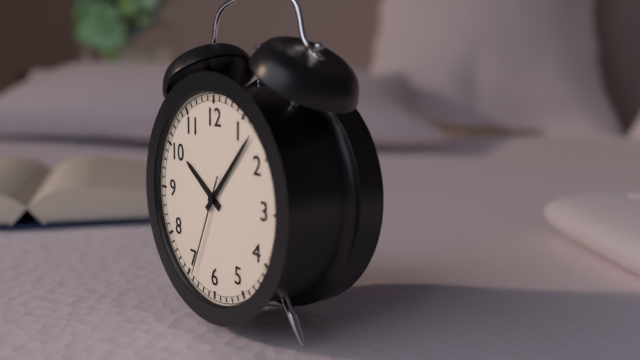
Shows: 10 h 07 min 34 s
